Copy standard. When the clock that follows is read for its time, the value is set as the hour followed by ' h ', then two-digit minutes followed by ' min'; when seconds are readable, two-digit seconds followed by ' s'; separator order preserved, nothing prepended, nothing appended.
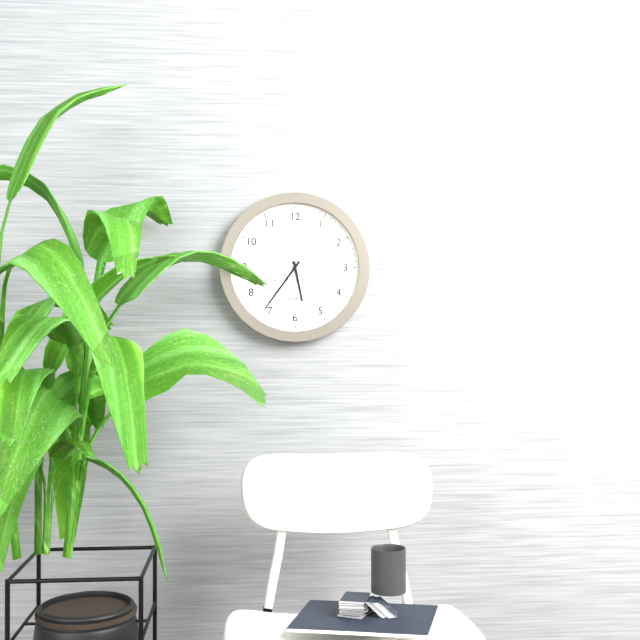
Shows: 5 h 36 min 24 s
